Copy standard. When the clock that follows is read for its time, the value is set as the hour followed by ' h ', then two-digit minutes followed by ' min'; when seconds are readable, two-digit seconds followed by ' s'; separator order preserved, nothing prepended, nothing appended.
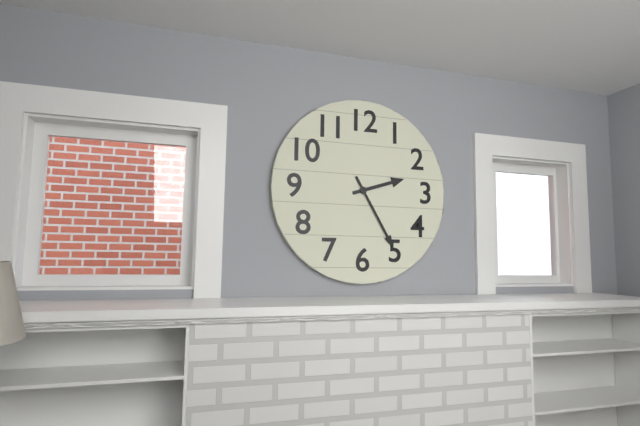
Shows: 2 h 25 min
